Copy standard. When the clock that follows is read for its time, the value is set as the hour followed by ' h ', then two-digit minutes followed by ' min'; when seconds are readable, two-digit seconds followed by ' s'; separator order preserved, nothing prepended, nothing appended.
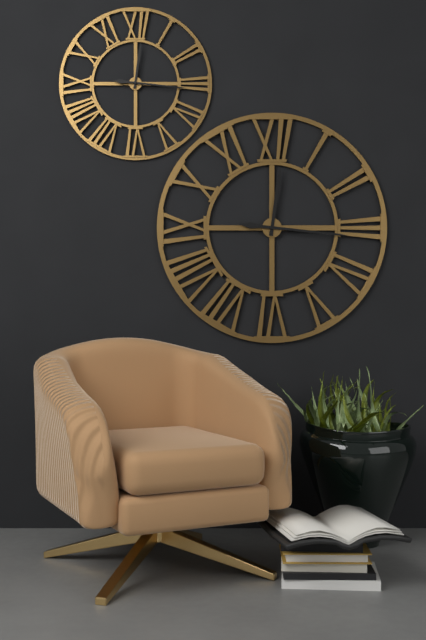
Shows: 12 h 16 min
